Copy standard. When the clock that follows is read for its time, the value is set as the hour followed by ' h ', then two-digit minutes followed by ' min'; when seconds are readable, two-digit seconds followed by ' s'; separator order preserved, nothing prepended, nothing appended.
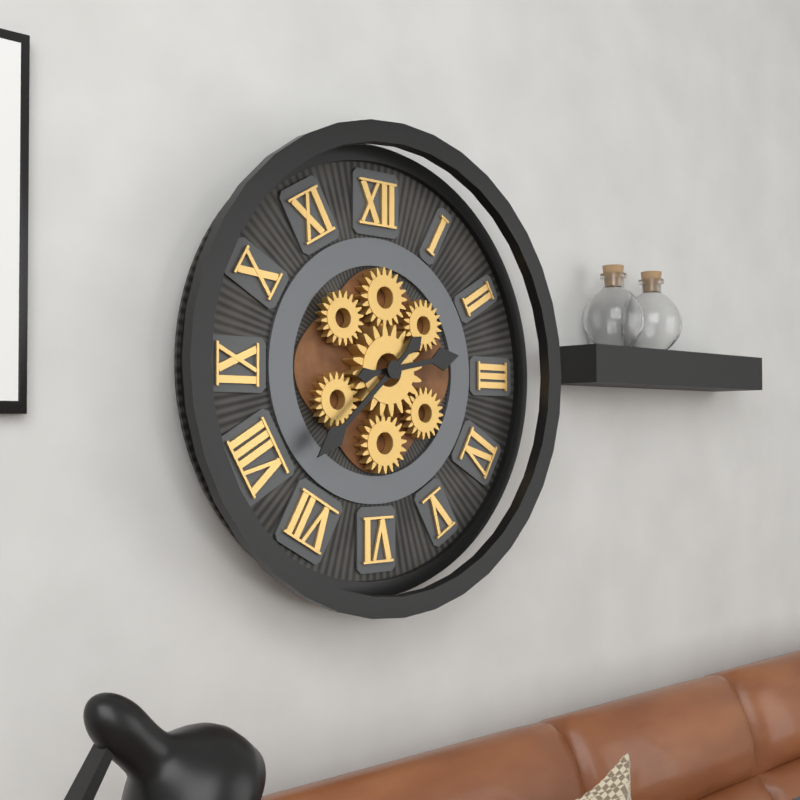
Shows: 2 h 38 min
